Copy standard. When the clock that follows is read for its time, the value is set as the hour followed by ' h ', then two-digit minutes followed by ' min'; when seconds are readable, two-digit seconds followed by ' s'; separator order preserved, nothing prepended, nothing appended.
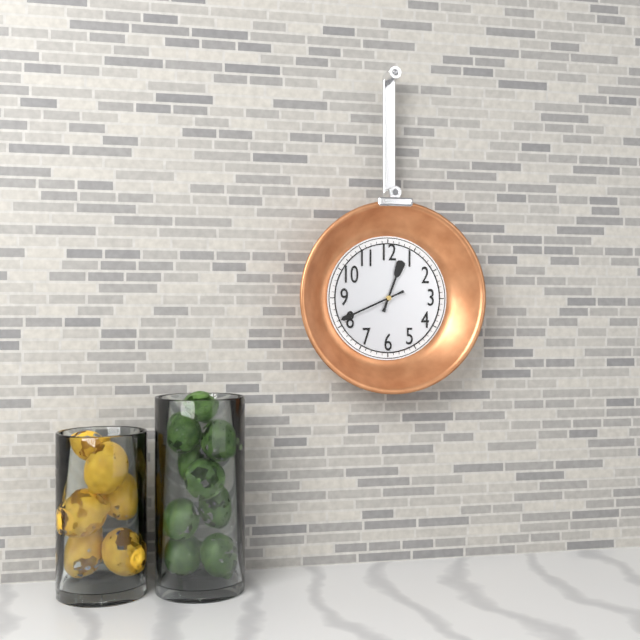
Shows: 12 h 41 min
